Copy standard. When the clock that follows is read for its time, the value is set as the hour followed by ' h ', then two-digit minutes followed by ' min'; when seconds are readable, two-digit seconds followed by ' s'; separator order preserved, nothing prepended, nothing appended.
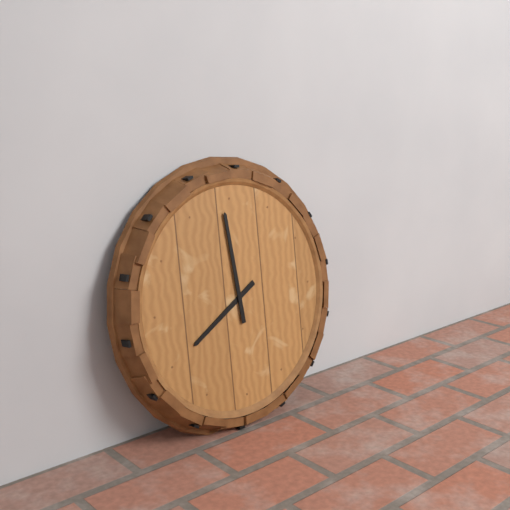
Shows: 7 h 59 min
